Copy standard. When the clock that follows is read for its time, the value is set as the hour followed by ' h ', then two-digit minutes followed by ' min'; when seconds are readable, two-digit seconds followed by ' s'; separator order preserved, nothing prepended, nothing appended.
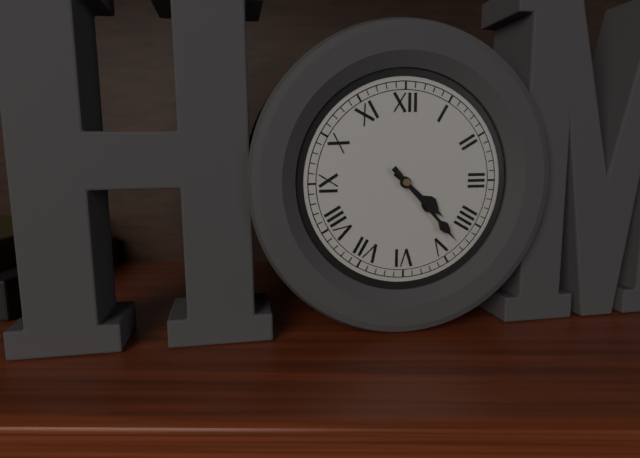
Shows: 4 h 23 min
